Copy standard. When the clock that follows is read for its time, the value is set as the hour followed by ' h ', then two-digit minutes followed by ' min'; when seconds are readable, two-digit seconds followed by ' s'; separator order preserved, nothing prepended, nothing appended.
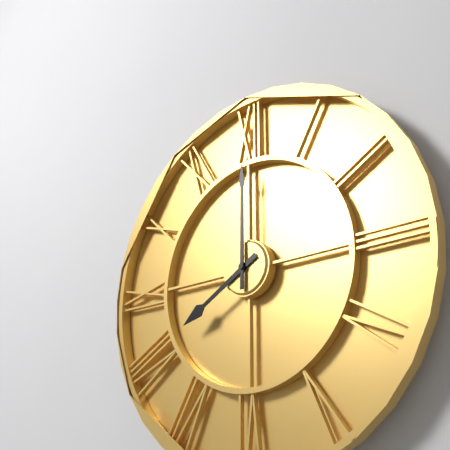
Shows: 8 h 00 min
